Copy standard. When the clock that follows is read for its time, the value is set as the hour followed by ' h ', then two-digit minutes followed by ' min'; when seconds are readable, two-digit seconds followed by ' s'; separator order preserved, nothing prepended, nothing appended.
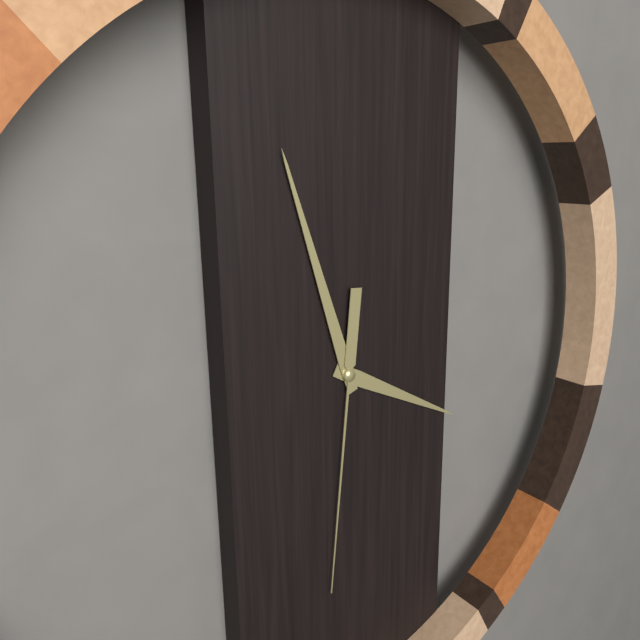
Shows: 3 h 57 min 31 s
